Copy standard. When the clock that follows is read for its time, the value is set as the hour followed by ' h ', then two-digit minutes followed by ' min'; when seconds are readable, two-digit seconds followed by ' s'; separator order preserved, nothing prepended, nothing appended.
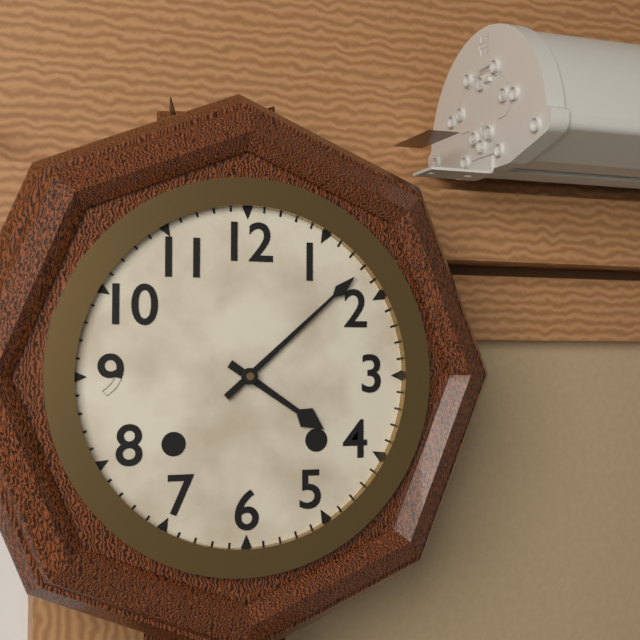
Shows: 4 h 08 min
